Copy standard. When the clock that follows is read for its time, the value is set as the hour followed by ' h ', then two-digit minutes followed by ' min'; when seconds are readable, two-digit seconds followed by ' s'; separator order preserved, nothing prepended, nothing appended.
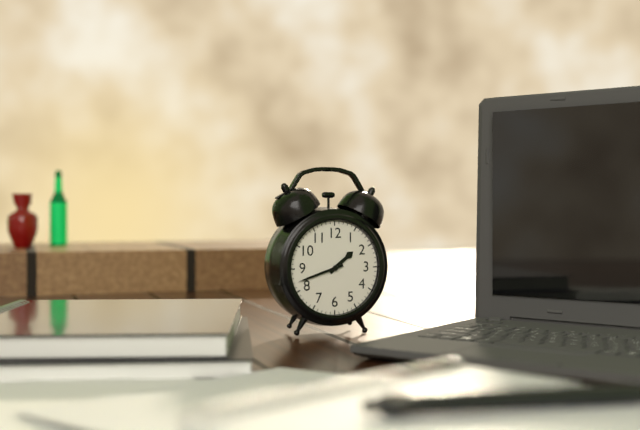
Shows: 1 h 42 min
